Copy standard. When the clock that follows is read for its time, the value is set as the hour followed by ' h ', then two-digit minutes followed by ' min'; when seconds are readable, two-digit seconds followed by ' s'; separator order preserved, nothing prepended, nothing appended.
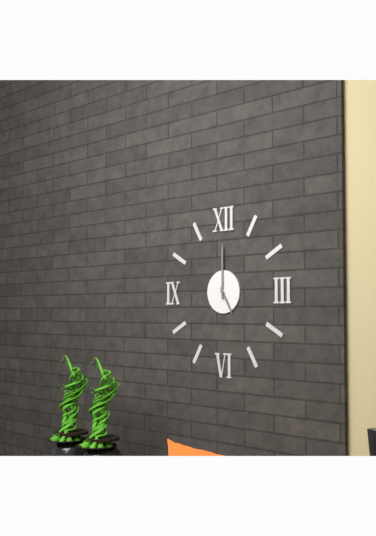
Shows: 5 h 00 min
